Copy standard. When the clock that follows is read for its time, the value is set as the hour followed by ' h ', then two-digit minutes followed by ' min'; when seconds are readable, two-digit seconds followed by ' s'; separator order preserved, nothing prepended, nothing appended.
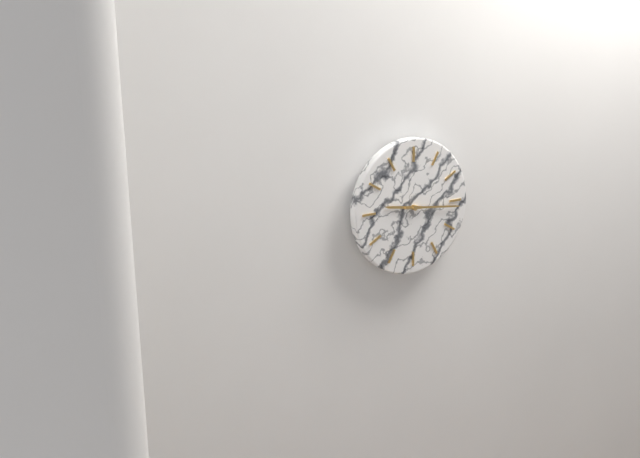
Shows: 9 h 16 min
